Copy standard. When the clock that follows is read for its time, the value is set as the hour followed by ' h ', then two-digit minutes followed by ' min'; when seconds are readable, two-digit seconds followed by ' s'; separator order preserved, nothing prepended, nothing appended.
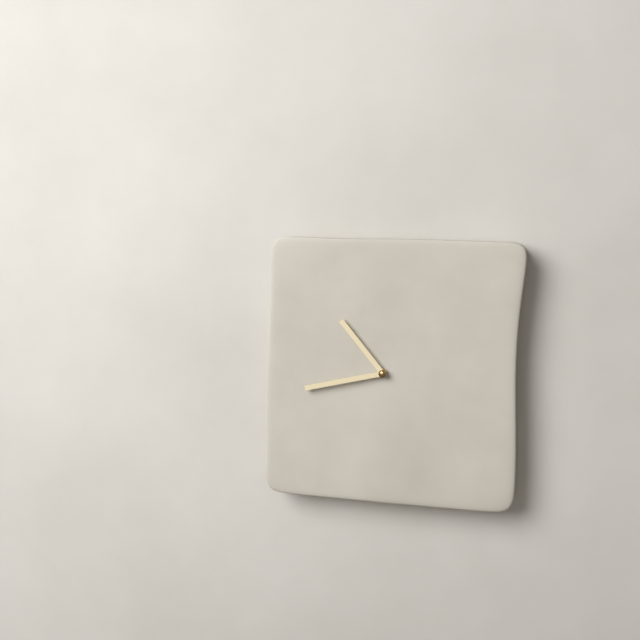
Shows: 10 h 43 min
